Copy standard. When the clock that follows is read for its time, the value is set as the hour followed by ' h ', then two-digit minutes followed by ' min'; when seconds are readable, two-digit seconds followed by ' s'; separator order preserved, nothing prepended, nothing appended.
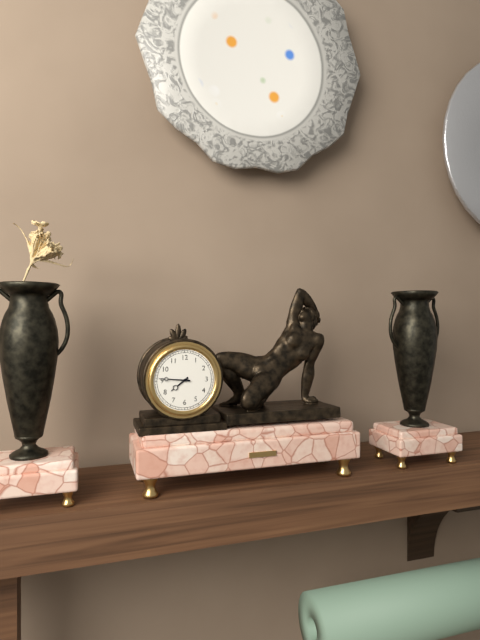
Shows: 7 h 46 min
